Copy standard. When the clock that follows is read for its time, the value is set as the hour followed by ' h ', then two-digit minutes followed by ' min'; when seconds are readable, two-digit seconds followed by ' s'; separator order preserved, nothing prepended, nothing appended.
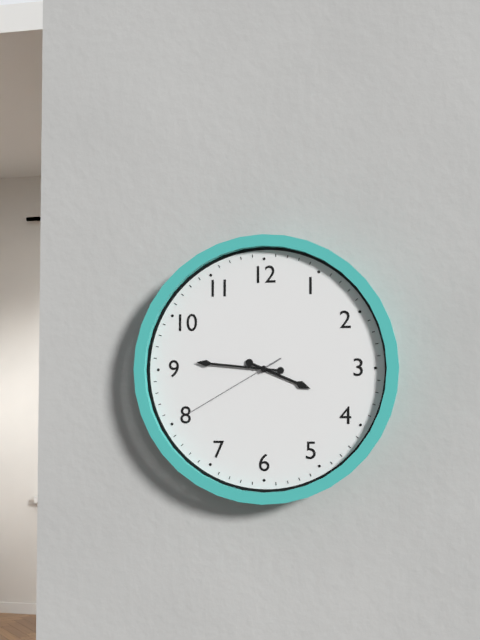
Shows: 3 h 46 min 40 s
